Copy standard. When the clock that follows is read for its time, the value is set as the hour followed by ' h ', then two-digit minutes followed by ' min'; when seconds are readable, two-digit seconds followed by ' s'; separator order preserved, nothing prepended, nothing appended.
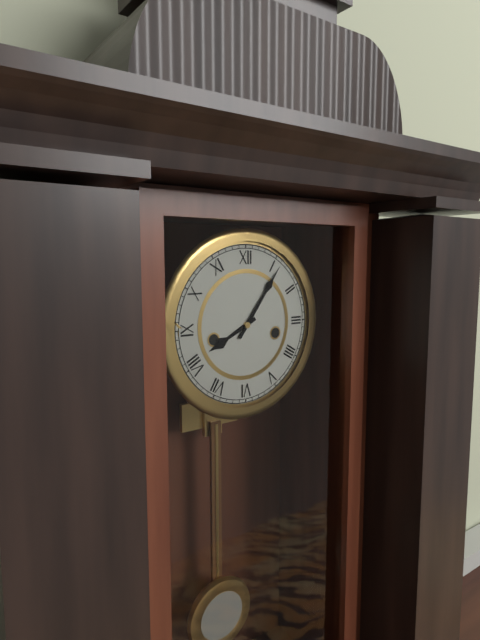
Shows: 8 h 06 min
